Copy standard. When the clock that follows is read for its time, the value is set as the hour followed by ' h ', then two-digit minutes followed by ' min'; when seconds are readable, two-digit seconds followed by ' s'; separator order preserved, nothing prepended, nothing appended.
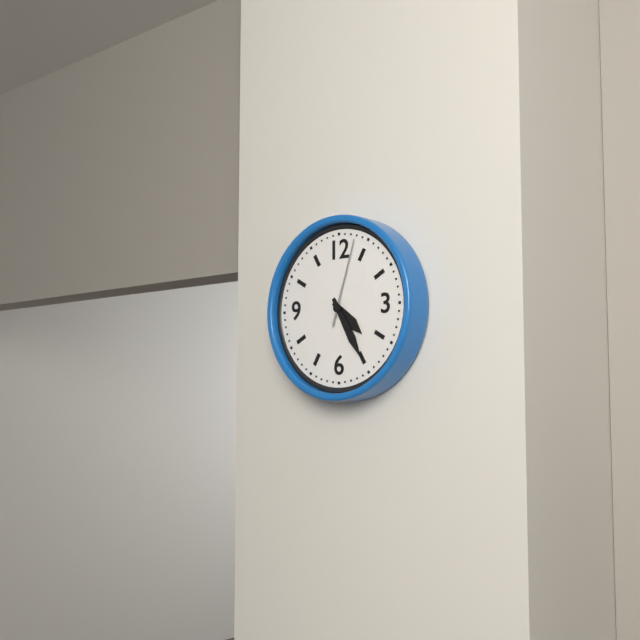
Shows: 4 h 25 min 03 s
